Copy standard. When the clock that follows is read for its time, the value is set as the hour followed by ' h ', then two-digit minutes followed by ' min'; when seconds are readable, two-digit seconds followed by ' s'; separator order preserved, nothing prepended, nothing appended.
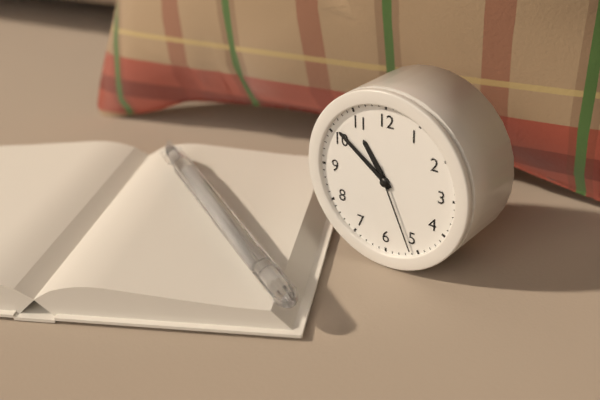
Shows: 10 h 51 min 26 s
